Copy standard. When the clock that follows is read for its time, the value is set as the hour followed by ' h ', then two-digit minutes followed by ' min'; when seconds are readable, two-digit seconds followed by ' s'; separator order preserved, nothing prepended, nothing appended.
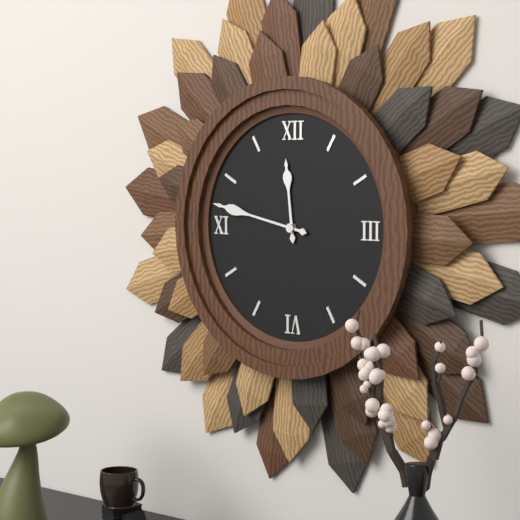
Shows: 11 h 47 min
